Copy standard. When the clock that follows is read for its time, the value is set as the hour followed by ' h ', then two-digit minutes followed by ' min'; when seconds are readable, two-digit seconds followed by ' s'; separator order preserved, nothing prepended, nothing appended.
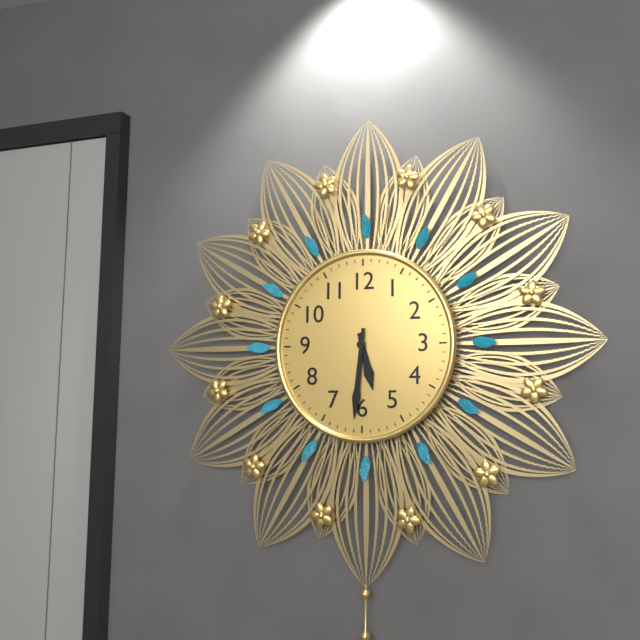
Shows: 5 h 31 min
